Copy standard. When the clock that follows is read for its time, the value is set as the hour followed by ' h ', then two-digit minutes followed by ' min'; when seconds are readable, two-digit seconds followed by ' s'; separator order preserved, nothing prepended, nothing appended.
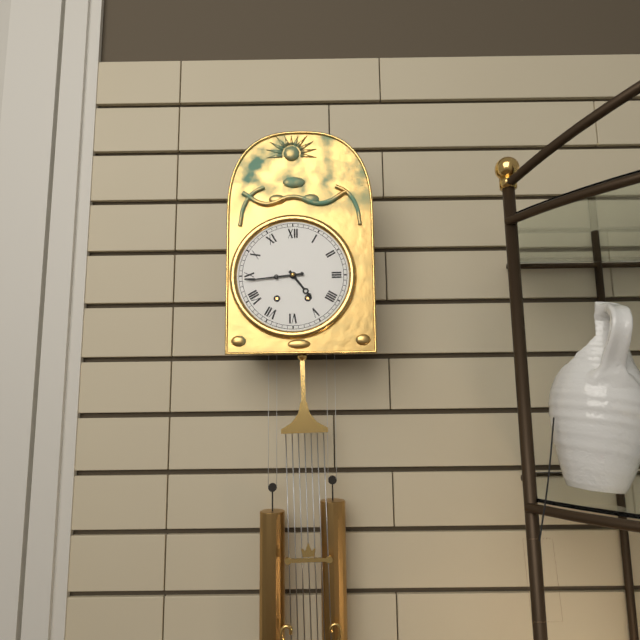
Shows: 4 h 44 min
